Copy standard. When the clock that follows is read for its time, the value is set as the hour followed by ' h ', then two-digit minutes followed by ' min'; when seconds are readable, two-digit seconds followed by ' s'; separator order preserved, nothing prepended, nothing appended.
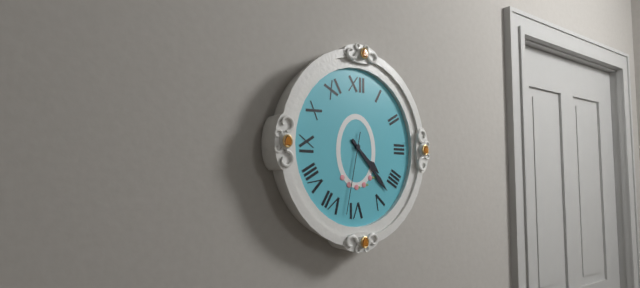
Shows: 4 h 23 min 32 s
